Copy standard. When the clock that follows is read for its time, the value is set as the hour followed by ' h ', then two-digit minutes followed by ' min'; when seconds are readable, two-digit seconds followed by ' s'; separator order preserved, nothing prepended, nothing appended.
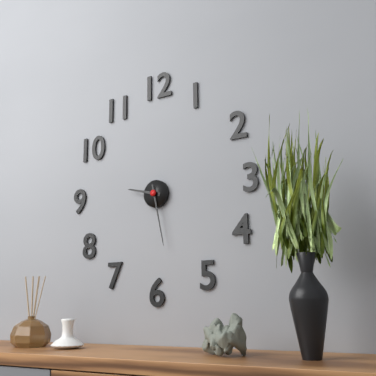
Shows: 9 h 28 min
